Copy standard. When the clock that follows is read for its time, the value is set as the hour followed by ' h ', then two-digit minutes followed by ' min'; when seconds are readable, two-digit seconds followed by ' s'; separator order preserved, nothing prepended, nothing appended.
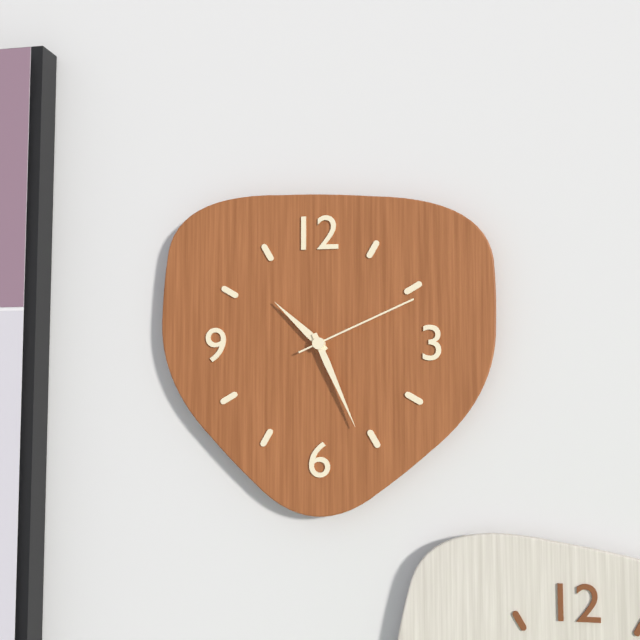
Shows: 10 h 26 min 11 s
